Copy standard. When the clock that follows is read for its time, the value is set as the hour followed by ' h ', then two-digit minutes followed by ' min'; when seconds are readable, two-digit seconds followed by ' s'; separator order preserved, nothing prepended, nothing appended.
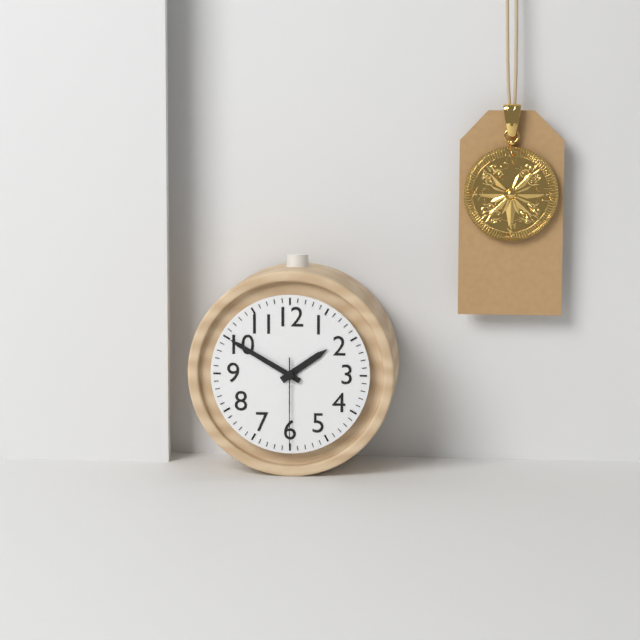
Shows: 1 h 50 min 30 s
